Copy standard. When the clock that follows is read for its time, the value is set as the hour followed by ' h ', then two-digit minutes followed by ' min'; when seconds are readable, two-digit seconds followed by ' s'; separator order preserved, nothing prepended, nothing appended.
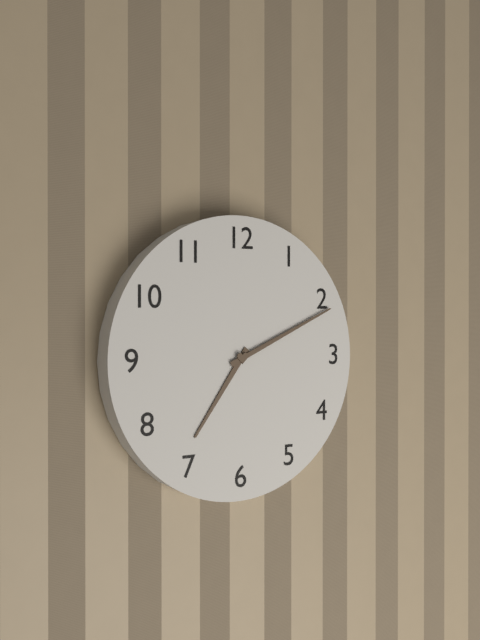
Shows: 7 h 11 min
